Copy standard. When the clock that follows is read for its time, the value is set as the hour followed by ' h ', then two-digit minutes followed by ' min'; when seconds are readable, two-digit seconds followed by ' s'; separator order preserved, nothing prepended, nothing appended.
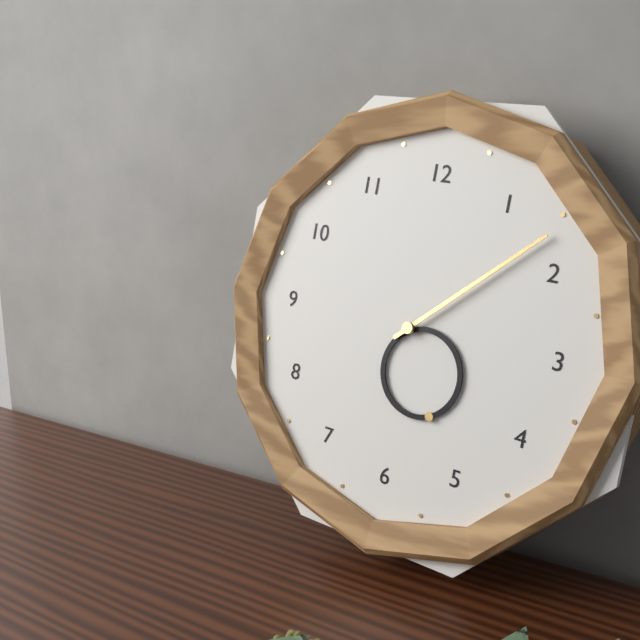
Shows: 5 h 08 min
